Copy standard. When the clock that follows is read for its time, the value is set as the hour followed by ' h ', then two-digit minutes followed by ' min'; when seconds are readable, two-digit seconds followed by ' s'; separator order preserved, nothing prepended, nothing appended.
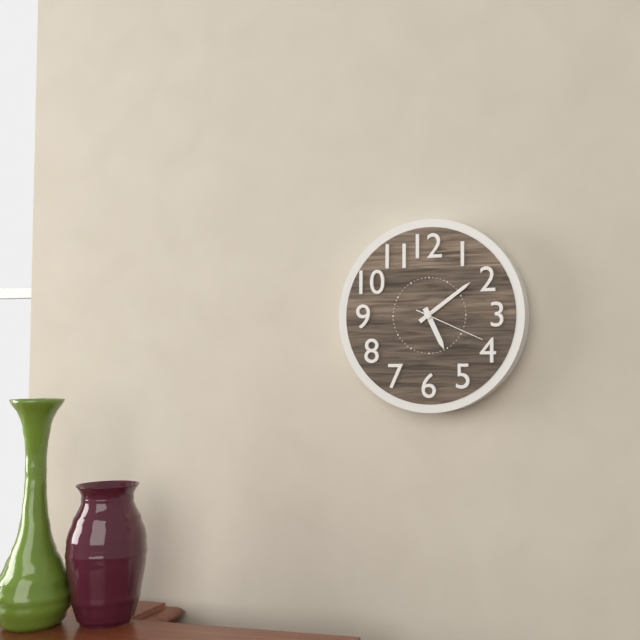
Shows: 5 h 09 min 19 s
